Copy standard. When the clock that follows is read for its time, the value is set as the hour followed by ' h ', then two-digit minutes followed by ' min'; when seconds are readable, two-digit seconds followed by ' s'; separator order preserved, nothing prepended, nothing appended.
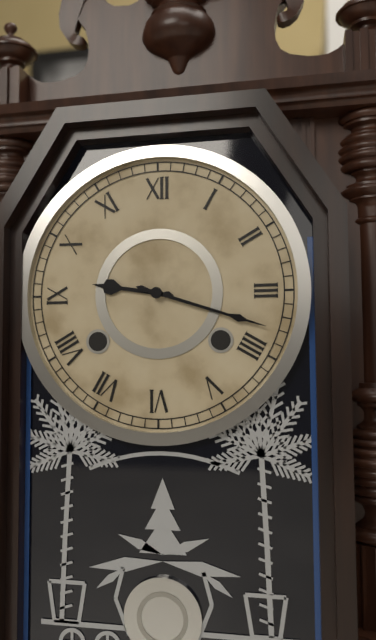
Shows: 9 h 18 min
